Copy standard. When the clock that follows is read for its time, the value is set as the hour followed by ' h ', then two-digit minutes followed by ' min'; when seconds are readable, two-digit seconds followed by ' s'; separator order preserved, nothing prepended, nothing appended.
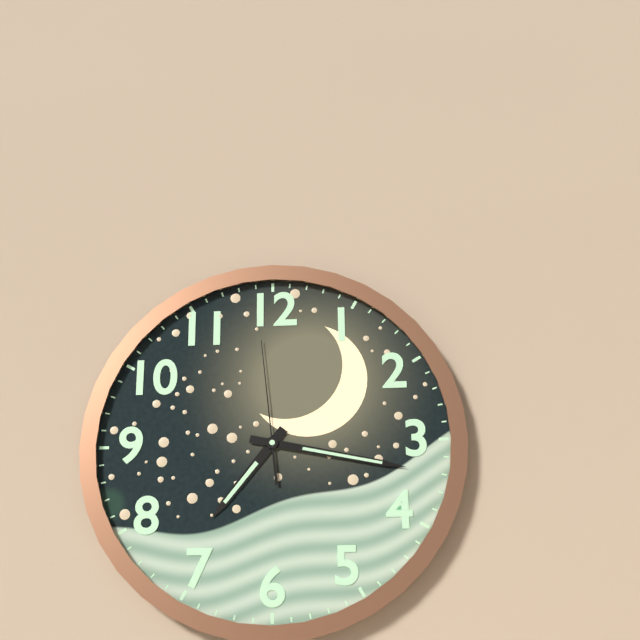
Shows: 7 h 17 min 59 s
